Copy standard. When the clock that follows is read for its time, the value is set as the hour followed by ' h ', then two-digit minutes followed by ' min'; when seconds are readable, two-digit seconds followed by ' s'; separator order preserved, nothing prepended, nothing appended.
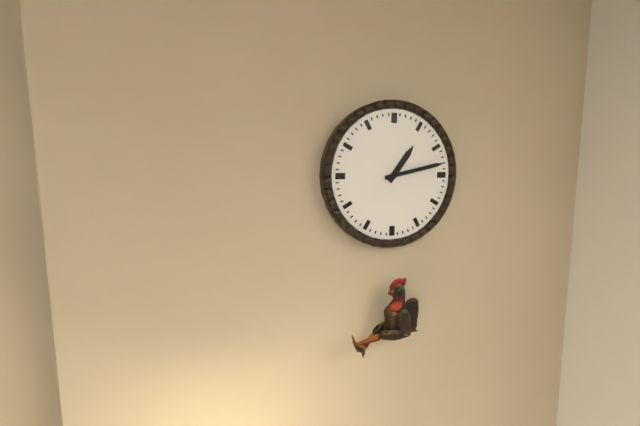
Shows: 1 h 13 min
